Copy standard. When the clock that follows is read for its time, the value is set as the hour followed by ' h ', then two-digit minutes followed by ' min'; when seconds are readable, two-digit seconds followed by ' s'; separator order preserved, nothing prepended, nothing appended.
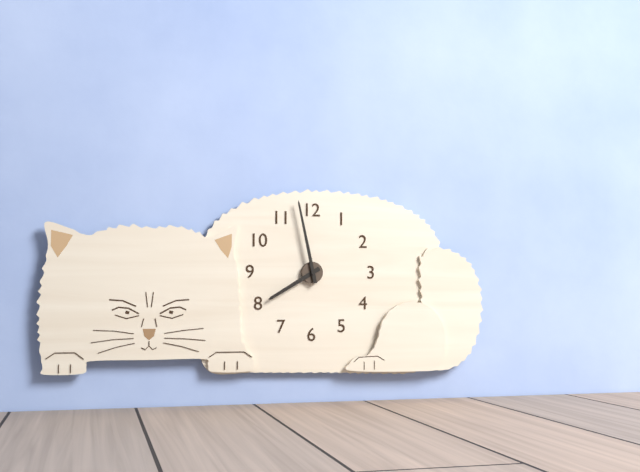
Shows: 7 h 58 min
